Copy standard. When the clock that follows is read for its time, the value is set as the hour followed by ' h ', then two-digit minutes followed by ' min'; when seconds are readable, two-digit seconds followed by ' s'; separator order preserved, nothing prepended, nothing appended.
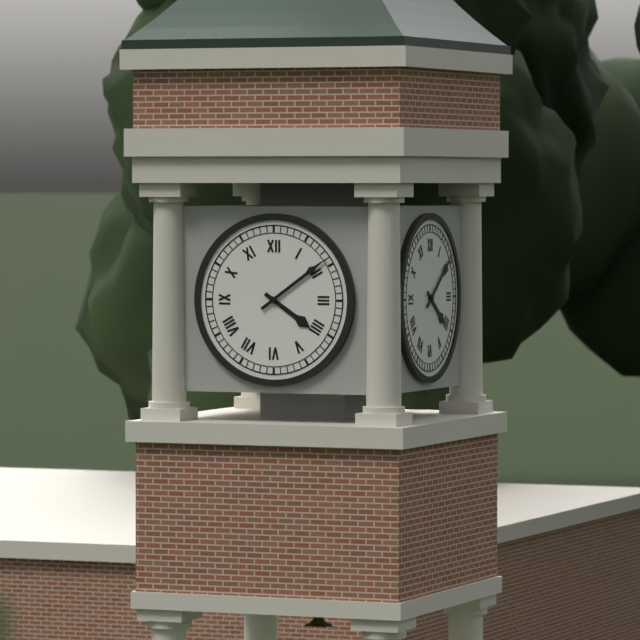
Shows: 4 h 09 min
